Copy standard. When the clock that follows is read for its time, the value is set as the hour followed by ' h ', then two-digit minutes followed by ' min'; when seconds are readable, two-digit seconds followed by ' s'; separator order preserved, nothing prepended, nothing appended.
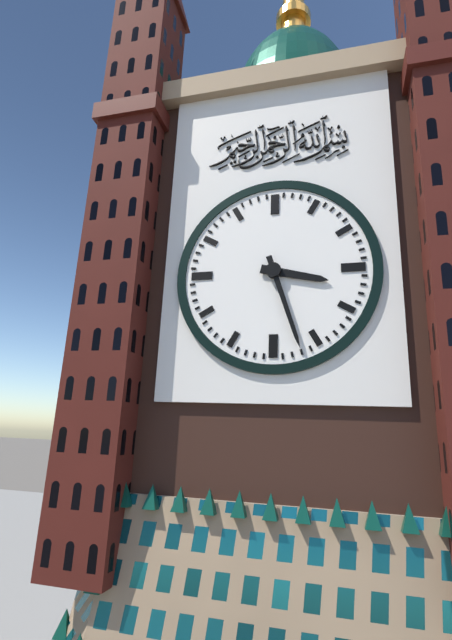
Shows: 3 h 27 min
